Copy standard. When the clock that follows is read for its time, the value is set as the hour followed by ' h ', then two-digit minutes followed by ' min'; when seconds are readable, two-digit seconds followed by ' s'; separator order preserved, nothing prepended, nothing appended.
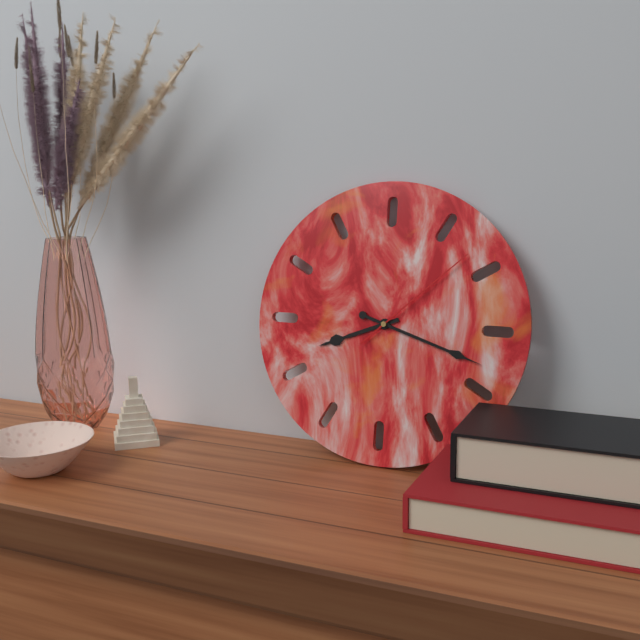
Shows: 8 h 18 min 08 s
